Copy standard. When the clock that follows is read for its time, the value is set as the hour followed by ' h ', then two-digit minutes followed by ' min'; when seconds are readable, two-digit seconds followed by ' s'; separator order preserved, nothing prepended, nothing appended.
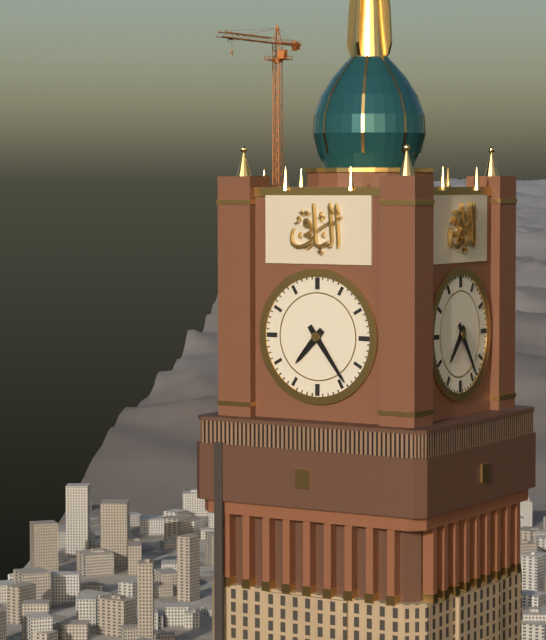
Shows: 7 h 24 min
